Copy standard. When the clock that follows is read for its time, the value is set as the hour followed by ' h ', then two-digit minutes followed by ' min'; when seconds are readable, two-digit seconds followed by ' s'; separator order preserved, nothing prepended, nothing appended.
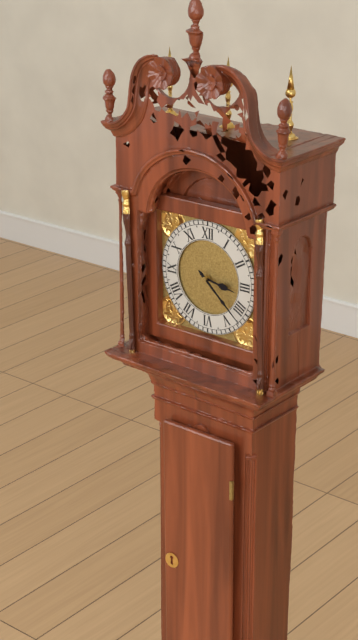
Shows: 3 h 22 min
